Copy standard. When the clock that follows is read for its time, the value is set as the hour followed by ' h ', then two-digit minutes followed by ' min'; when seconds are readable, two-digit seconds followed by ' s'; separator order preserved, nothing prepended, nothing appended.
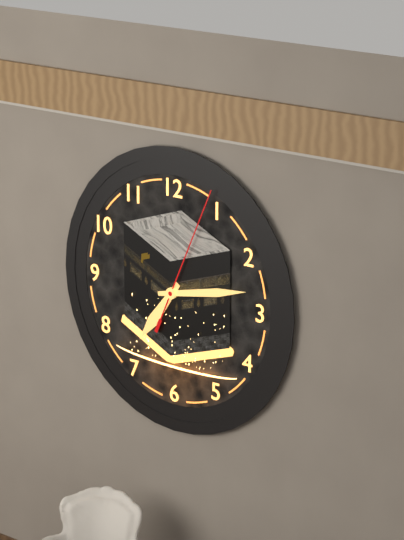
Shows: 7 h 13 min 04 s
